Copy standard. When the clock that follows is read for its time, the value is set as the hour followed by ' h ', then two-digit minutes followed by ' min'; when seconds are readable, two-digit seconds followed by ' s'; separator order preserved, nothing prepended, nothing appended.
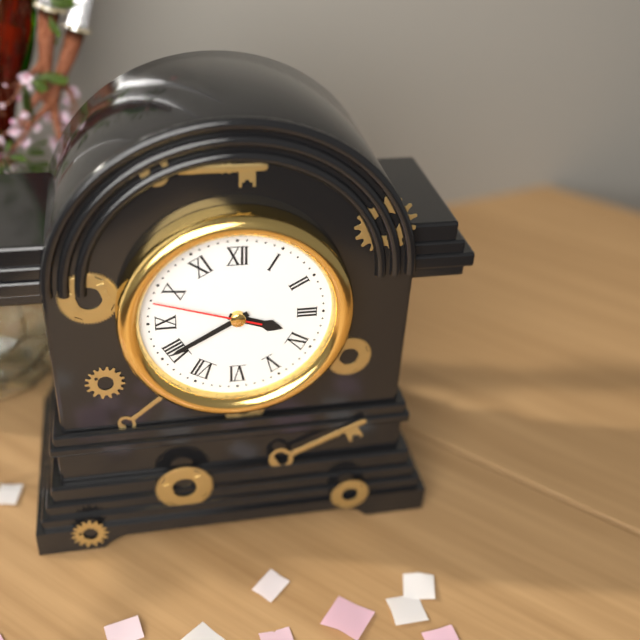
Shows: 3 h 40 min 48 s
